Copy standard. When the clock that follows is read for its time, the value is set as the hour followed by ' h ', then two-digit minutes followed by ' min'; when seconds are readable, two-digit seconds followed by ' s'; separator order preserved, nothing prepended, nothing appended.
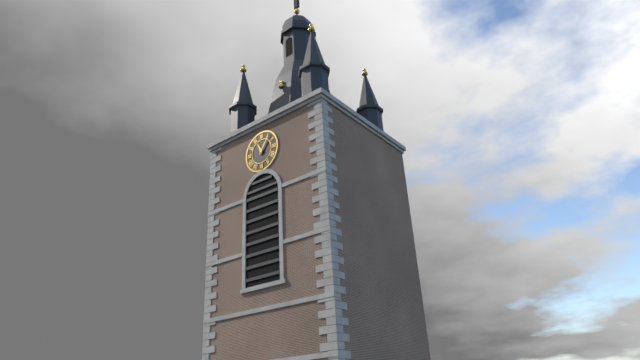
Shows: 11 h 06 min
